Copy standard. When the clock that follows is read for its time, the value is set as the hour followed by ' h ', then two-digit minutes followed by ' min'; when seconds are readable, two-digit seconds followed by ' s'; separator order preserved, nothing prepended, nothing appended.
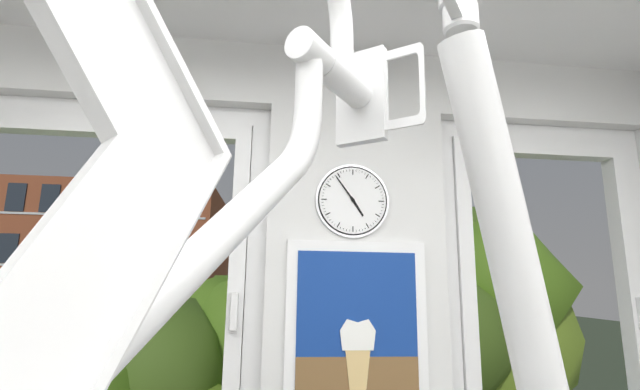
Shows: 4 h 54 min
